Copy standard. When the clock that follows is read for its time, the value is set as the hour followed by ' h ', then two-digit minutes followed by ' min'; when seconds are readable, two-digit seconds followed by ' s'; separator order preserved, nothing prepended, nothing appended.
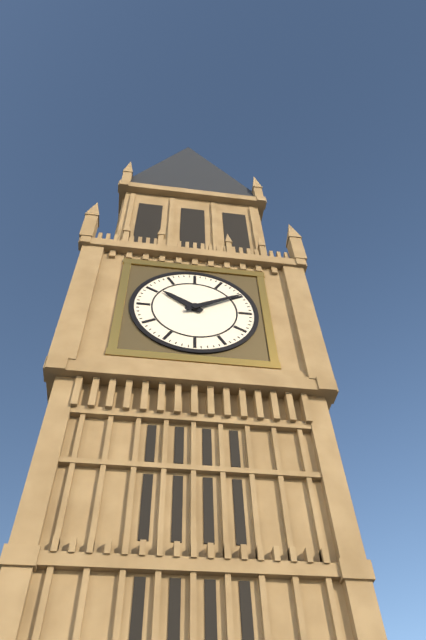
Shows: 10 h 10 min
